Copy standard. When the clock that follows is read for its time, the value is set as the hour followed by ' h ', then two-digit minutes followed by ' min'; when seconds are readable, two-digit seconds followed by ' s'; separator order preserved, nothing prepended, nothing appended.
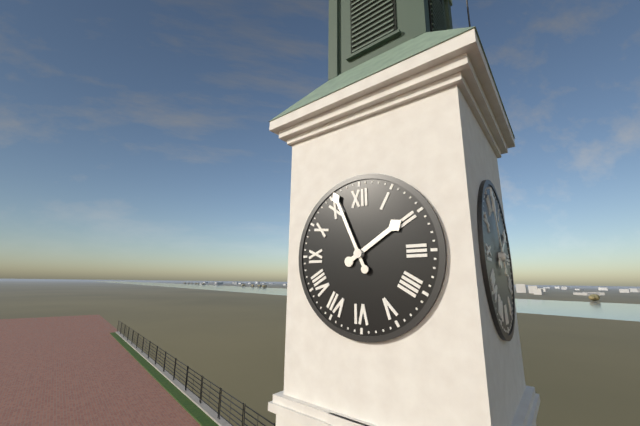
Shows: 1 h 56 min
